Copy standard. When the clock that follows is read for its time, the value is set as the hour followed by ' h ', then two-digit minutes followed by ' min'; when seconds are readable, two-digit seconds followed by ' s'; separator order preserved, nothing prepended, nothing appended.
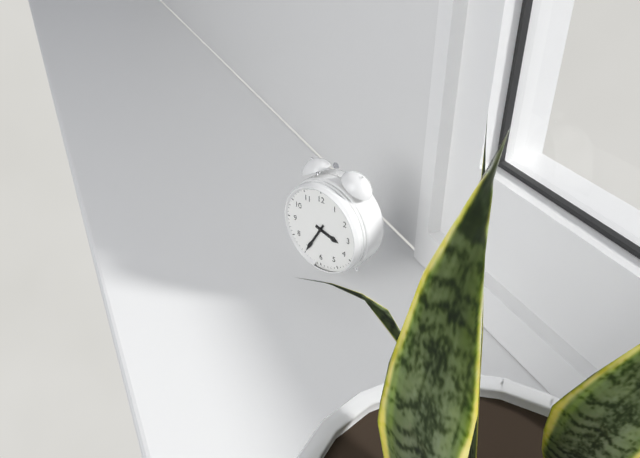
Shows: 3 h 35 min
